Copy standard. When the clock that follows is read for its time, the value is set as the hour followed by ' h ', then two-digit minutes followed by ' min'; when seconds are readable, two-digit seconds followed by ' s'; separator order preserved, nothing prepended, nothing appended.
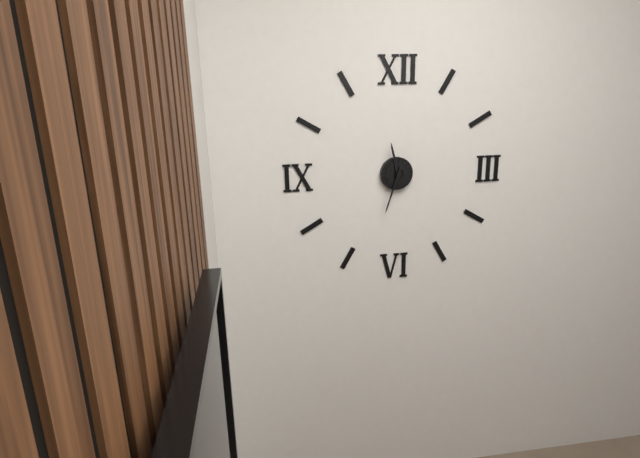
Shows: 11 h 33 min
